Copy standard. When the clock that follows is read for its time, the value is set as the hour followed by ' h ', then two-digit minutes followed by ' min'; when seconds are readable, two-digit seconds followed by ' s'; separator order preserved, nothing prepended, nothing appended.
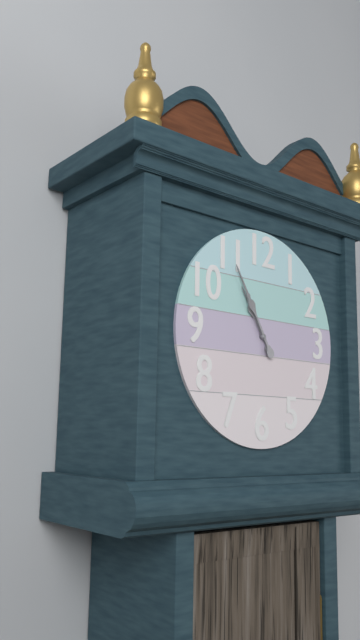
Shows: 10 h 55 min
